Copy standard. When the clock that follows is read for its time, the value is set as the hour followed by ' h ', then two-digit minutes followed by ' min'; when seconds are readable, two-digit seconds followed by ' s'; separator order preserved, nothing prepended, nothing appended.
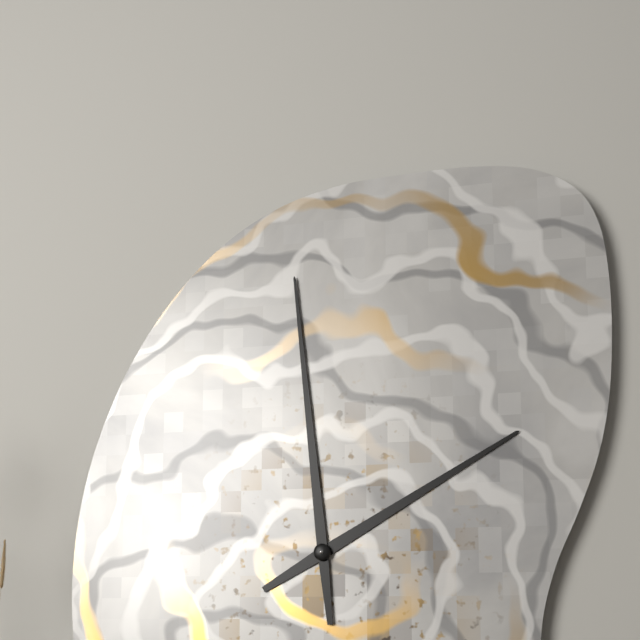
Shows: 1 h 59 min
